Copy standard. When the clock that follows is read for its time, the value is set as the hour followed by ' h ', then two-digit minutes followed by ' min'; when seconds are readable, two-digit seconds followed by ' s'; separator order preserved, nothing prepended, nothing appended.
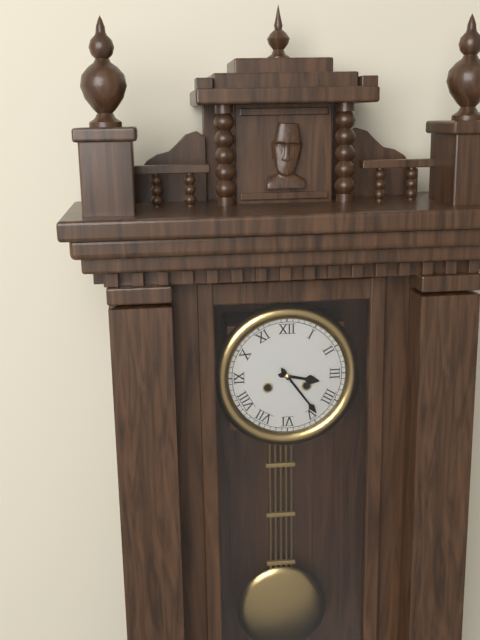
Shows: 3 h 24 min
